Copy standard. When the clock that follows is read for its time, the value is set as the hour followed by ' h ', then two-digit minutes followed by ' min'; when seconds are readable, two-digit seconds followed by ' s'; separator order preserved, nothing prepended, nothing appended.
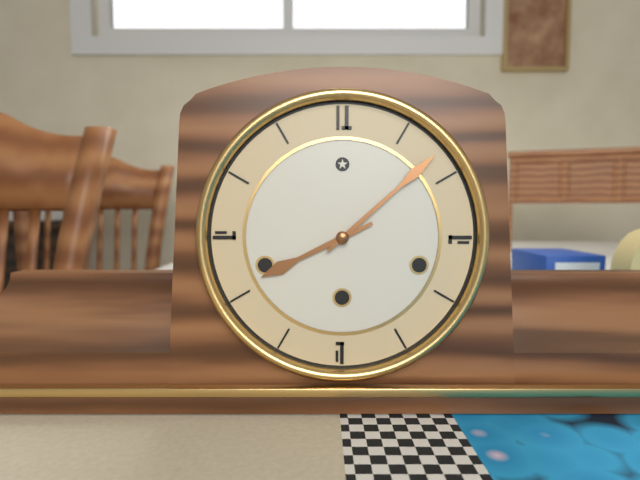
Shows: 8 h 08 min
